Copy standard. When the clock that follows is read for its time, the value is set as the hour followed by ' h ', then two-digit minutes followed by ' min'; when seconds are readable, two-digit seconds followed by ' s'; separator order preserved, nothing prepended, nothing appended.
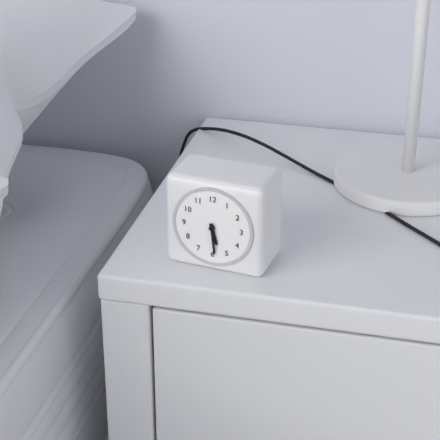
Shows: 5 h 29 min
